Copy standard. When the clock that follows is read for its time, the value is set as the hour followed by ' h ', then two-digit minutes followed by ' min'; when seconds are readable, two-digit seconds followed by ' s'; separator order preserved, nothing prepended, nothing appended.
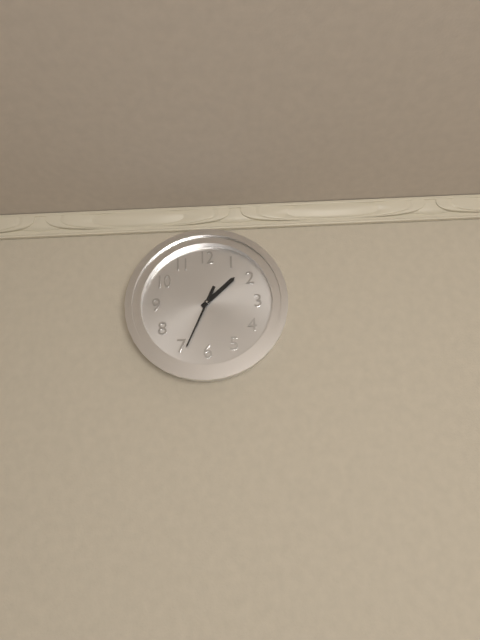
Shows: 1 h 34 min
